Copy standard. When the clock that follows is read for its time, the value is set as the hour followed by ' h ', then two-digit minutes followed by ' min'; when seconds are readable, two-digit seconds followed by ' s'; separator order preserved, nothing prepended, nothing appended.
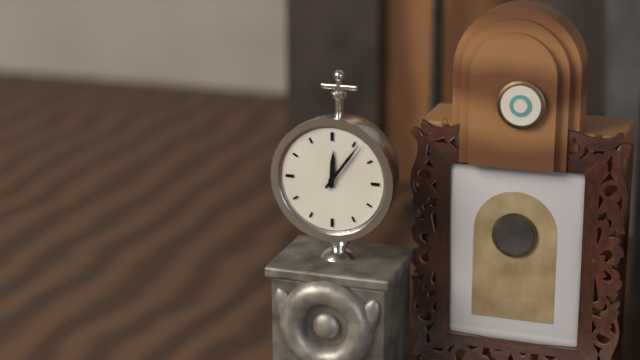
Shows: 12 h 06 min
